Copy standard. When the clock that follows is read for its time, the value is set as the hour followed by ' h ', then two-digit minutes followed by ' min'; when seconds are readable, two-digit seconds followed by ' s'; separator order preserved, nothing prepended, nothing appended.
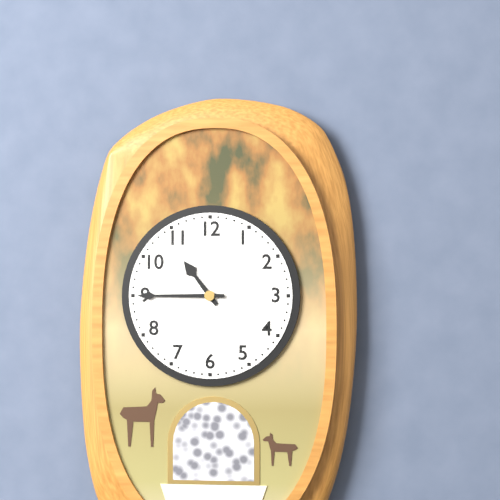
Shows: 10 h 45 min
